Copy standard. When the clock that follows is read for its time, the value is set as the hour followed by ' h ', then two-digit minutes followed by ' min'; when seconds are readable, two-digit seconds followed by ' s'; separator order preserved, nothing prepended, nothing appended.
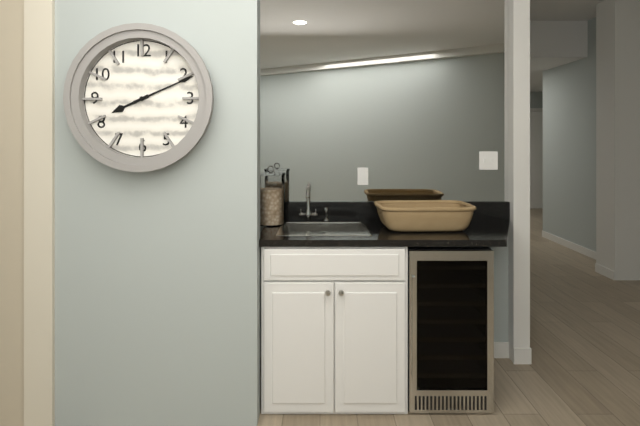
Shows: 8 h 11 min
